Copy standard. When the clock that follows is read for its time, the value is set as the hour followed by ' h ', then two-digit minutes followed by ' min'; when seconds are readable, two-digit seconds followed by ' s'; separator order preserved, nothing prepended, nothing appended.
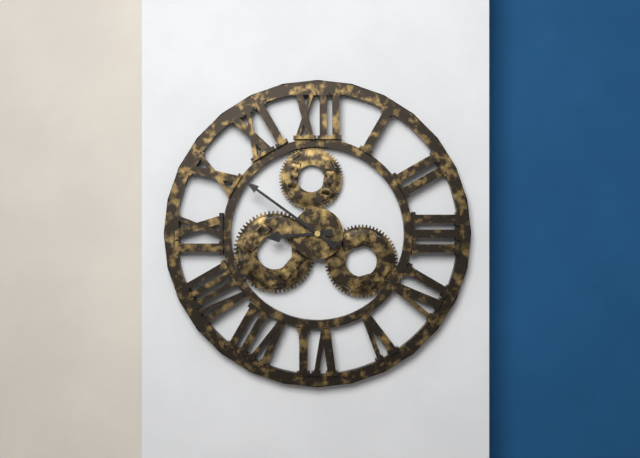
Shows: 8 h 51 min
